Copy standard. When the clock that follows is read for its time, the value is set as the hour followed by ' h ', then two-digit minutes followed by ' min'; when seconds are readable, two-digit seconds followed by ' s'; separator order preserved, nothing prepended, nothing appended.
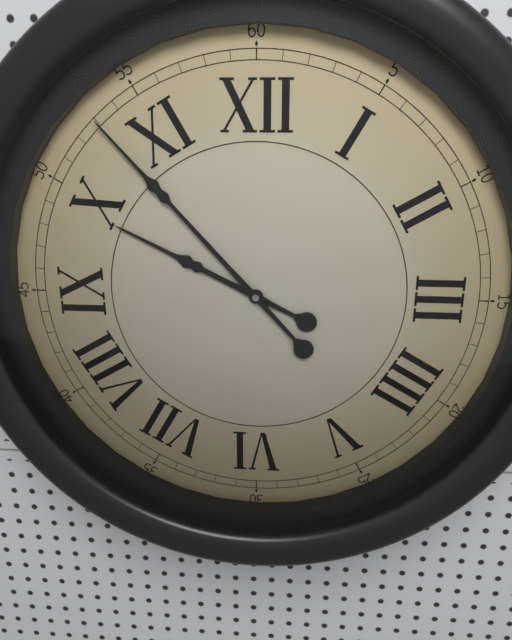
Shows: 9 h 53 min
